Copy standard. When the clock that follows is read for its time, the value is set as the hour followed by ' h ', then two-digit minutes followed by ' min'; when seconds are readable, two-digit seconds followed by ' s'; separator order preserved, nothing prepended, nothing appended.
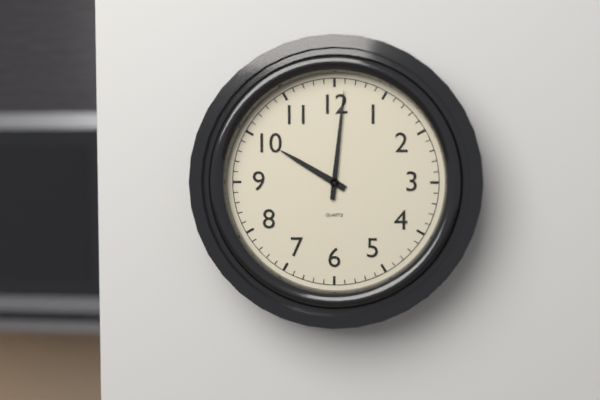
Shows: 10 h 01 min
